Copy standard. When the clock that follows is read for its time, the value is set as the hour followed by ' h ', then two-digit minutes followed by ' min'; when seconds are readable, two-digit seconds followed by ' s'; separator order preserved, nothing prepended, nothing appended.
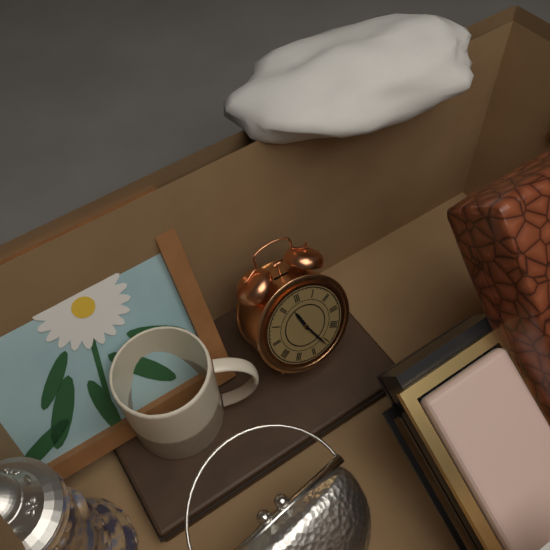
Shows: 11 h 26 min
